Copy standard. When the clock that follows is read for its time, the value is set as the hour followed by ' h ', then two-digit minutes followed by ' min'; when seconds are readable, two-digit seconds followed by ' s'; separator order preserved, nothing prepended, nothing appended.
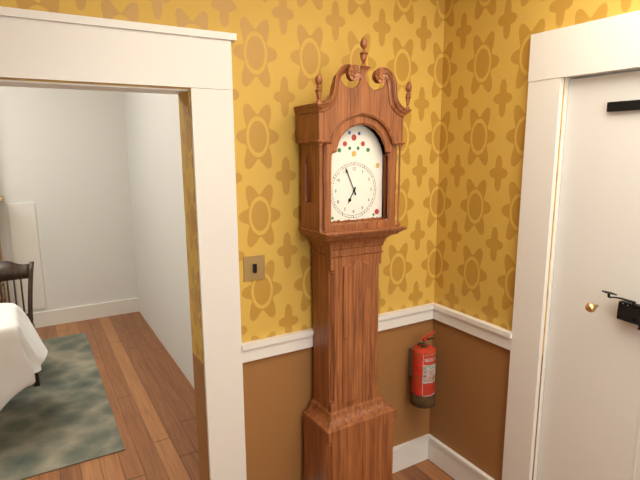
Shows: 6 h 56 min
